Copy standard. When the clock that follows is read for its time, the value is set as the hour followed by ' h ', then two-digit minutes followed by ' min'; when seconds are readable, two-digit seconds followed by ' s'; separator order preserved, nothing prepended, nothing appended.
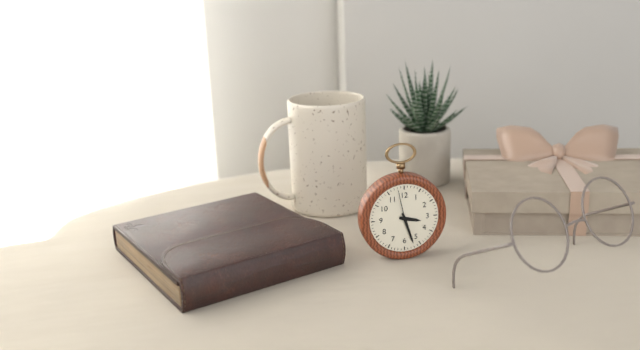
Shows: 3 h 27 min
